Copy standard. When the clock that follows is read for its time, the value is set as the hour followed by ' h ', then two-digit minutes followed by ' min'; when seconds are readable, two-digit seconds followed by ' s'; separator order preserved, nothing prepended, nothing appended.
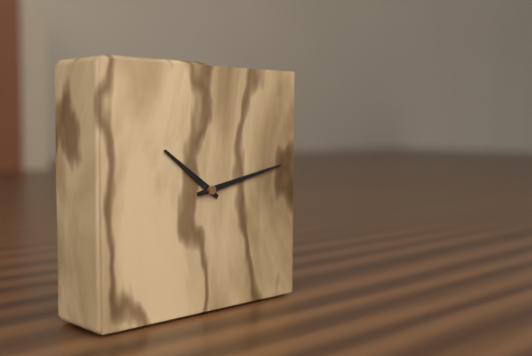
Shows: 10 h 13 min
